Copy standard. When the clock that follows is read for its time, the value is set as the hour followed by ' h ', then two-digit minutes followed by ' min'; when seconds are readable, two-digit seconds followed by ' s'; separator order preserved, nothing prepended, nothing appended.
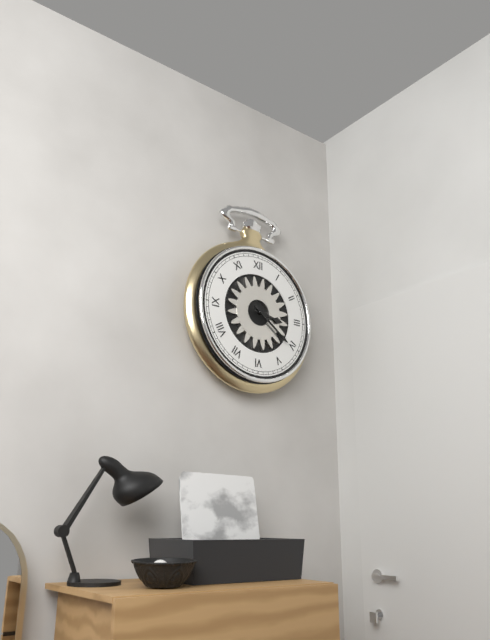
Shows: 3 h 21 min
